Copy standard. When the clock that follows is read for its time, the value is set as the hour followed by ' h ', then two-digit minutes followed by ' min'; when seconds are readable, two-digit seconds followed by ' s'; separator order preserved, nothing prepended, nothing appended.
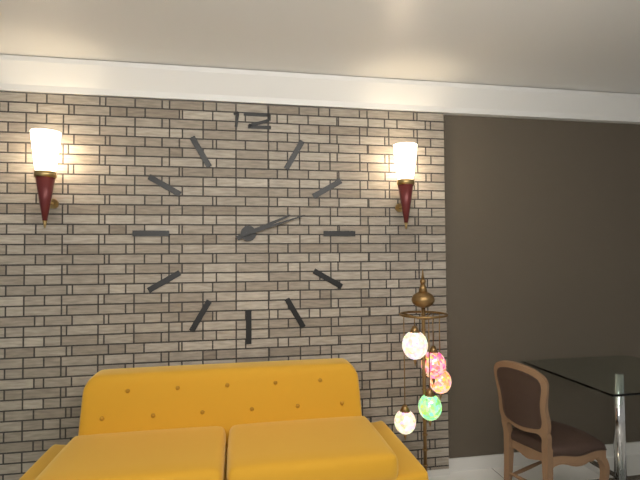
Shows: 2 h 12 min
